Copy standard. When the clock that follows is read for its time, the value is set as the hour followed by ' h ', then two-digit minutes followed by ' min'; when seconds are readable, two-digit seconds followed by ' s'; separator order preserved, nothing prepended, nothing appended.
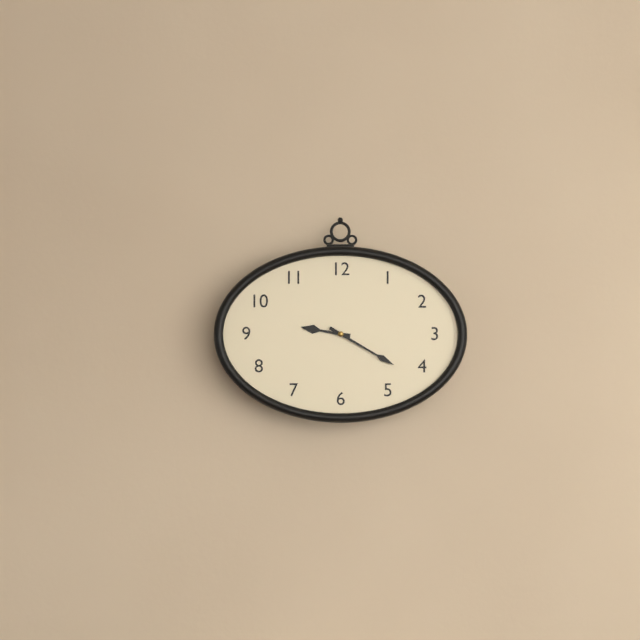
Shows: 9 h 20 min
